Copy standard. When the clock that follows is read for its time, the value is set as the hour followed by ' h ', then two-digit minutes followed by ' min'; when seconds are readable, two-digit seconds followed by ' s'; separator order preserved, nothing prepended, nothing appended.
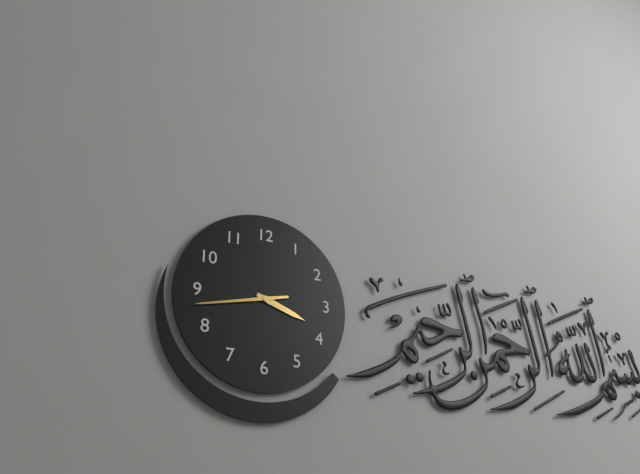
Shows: 3 h 43 min
